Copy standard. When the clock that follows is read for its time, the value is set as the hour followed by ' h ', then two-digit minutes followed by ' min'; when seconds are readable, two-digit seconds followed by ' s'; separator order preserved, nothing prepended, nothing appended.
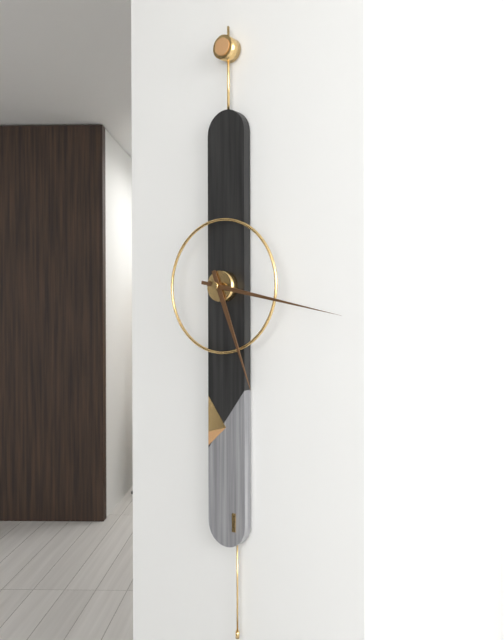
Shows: 5 h 17 min
